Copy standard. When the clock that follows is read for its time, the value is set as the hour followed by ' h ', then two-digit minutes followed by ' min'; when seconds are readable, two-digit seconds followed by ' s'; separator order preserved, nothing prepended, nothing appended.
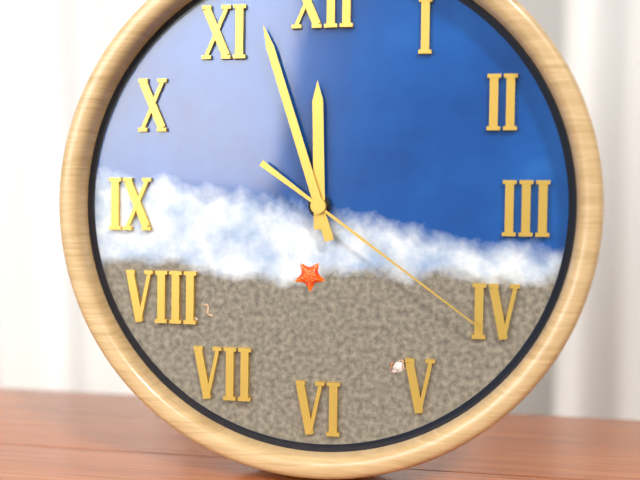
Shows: 11 h 57 min 21 s
